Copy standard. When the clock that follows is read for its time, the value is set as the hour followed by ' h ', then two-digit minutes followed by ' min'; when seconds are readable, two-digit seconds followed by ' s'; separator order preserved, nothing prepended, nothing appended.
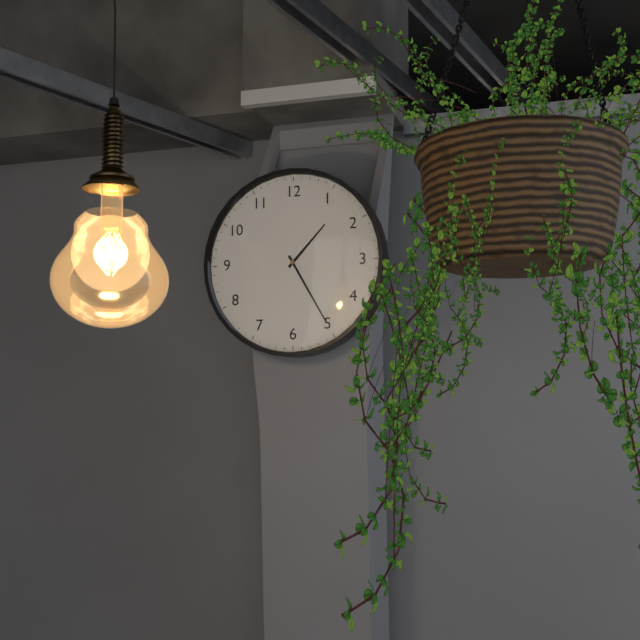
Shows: 1 h 25 min
